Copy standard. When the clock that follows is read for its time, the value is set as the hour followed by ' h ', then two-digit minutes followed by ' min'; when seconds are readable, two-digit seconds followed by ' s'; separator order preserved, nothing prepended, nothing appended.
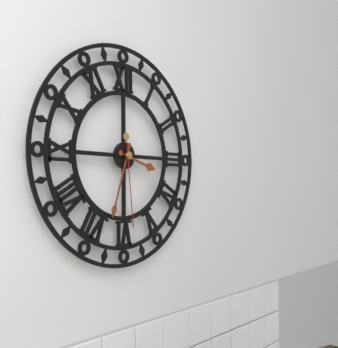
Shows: 3 h 33 min 29 s
